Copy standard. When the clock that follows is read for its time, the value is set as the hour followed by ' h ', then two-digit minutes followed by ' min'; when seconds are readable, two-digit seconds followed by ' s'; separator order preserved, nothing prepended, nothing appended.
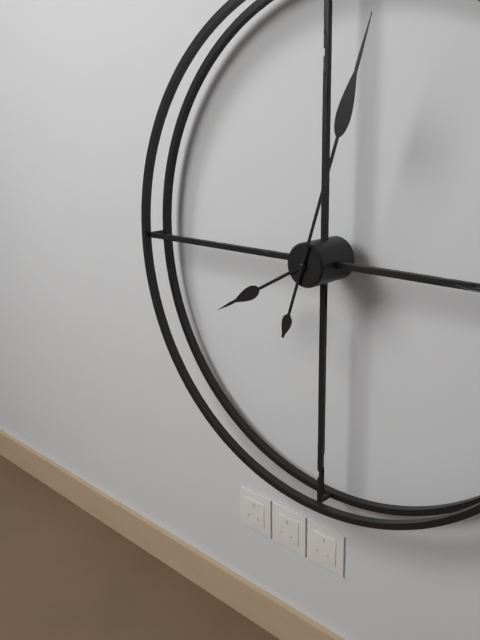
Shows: 8 h 03 min
